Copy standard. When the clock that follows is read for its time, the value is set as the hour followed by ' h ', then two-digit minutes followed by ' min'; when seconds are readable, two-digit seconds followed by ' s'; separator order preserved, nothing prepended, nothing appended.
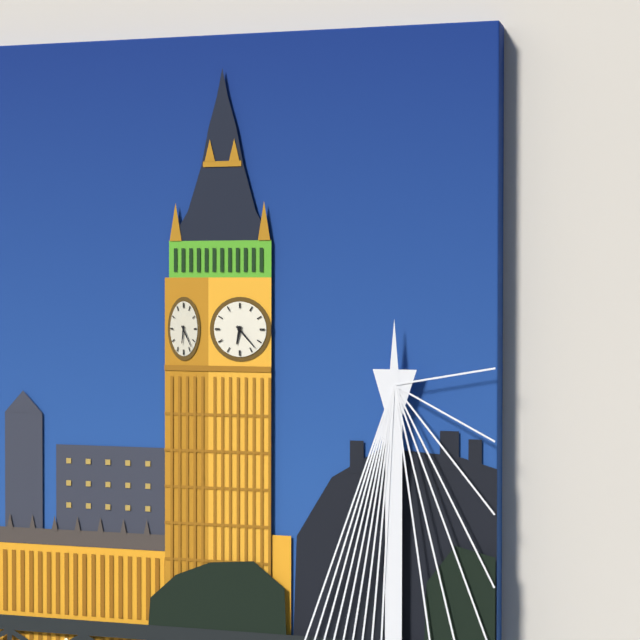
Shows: 6 h 23 min
